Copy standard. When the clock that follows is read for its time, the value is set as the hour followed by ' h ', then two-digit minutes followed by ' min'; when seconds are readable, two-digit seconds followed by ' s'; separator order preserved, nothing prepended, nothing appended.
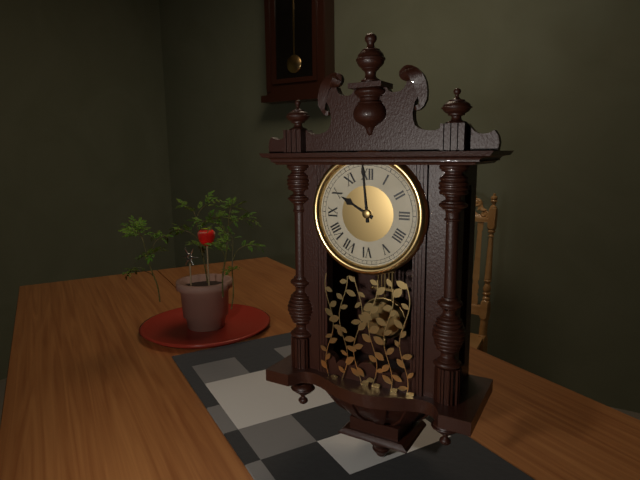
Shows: 9 h 59 min
